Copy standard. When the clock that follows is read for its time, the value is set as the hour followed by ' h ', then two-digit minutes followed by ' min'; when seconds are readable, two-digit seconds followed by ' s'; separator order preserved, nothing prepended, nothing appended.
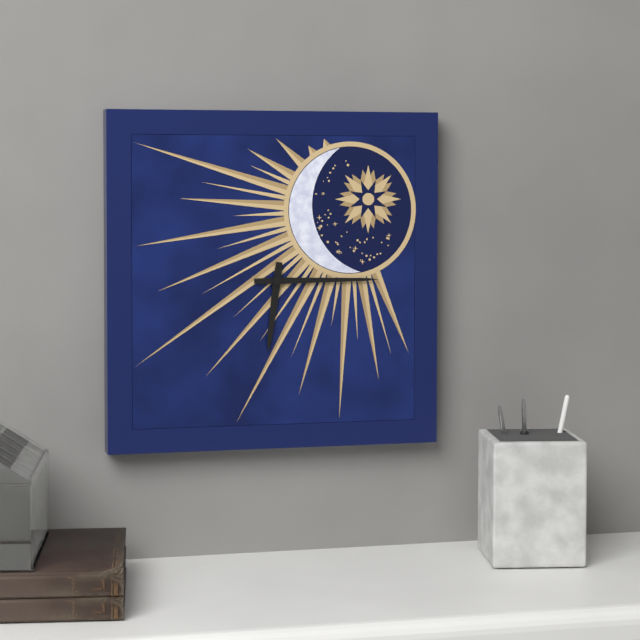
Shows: 6 h 15 min
